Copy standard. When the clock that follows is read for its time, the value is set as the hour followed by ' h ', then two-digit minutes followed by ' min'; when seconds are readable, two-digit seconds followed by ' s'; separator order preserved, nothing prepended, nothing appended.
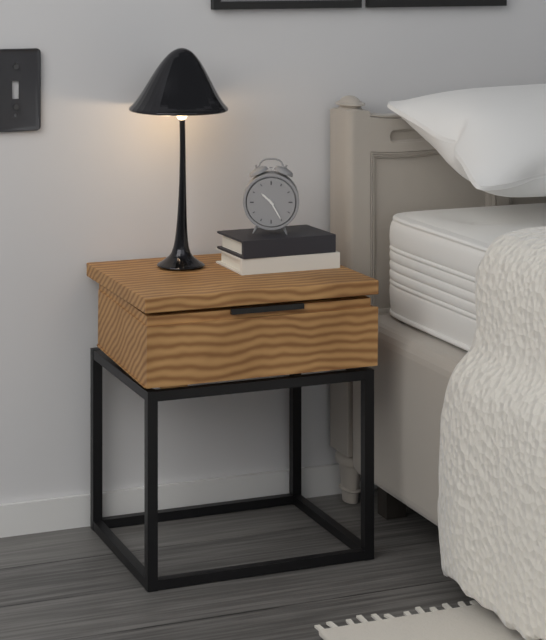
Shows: 10 h 25 min
